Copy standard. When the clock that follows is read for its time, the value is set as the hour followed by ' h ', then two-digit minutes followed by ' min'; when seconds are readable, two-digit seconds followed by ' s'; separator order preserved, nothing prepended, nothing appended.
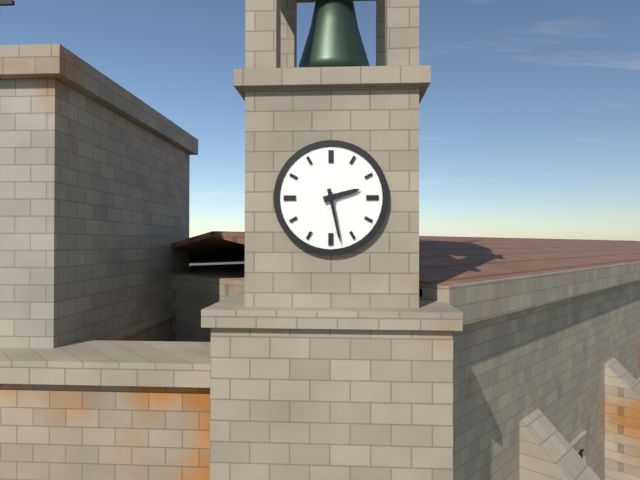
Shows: 2 h 28 min
